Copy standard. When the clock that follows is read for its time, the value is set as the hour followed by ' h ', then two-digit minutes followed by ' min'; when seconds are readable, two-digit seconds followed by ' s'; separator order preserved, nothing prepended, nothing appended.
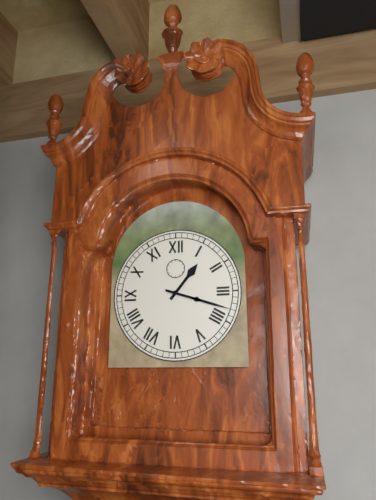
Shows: 1 h 18 min
